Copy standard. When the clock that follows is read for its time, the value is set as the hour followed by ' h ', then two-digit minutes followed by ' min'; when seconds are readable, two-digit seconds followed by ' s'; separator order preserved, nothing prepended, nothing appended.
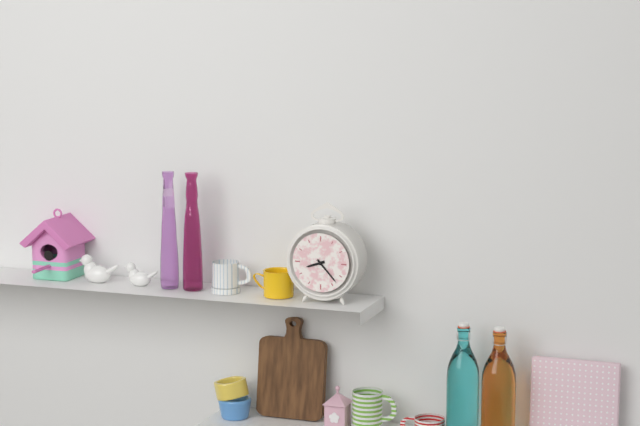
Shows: 8 h 23 min
